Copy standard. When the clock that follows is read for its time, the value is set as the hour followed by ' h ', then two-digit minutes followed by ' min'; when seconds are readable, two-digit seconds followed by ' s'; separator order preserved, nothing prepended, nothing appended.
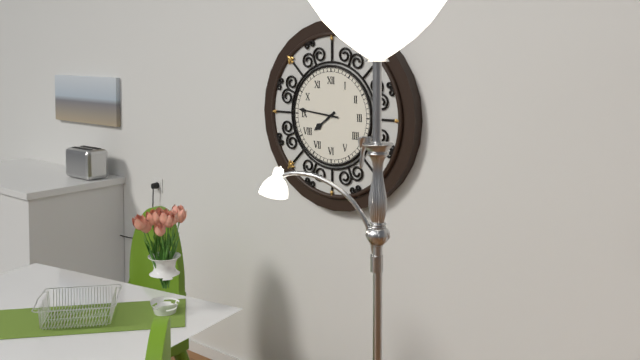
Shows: 7 h 46 min
